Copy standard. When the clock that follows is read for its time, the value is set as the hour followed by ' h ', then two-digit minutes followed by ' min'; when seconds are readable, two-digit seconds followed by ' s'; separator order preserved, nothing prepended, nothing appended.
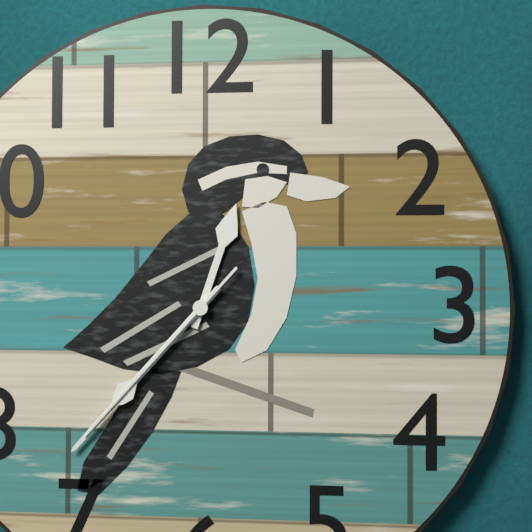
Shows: 12 h 37 min 37 s
